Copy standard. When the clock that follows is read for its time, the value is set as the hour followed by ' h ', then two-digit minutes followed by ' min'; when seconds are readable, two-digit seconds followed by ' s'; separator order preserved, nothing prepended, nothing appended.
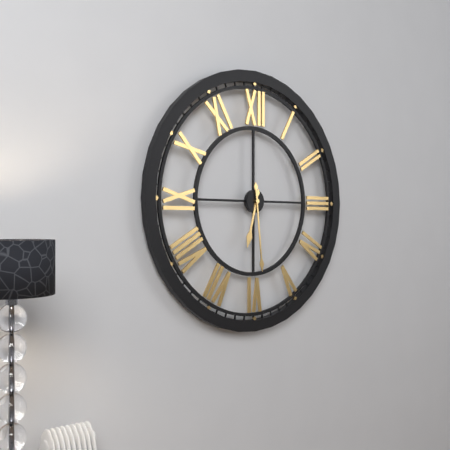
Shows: 6 h 29 min
